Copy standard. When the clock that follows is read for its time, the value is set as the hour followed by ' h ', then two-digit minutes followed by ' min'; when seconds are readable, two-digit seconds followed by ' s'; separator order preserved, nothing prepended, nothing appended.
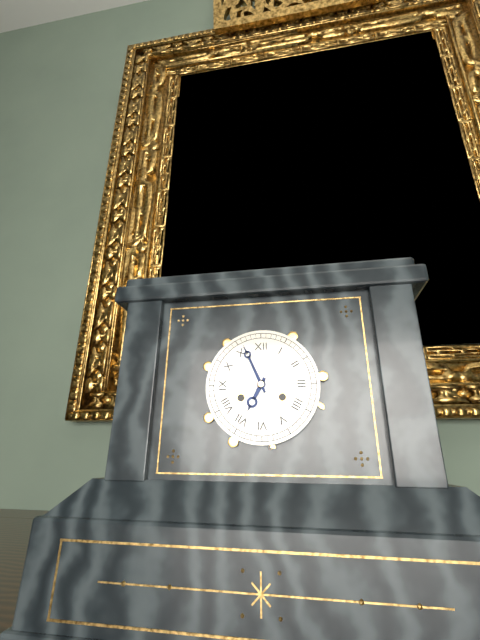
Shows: 6 h 56 min
